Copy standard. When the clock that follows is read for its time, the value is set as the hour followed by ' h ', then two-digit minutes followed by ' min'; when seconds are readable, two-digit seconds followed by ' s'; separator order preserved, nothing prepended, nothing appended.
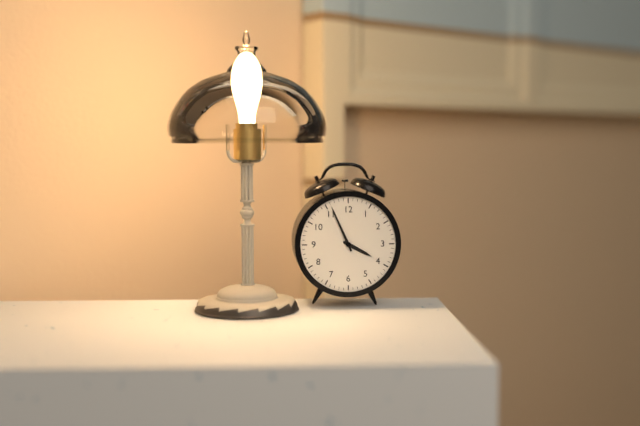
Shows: 3 h 56 min
